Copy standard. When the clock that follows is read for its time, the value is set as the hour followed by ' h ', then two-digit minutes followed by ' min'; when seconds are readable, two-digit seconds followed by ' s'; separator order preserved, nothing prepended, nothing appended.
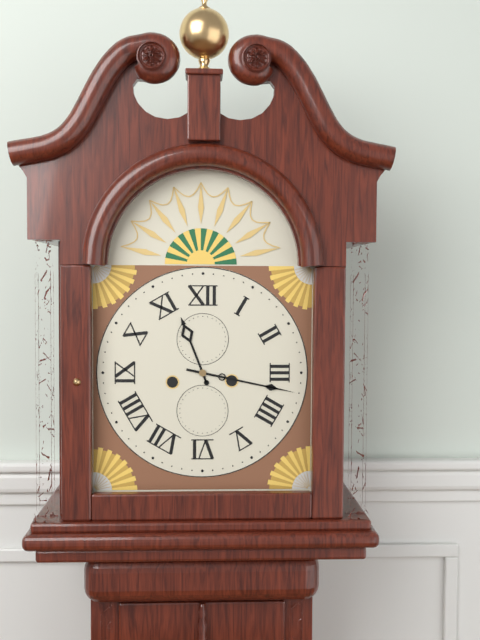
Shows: 11 h 17 min
